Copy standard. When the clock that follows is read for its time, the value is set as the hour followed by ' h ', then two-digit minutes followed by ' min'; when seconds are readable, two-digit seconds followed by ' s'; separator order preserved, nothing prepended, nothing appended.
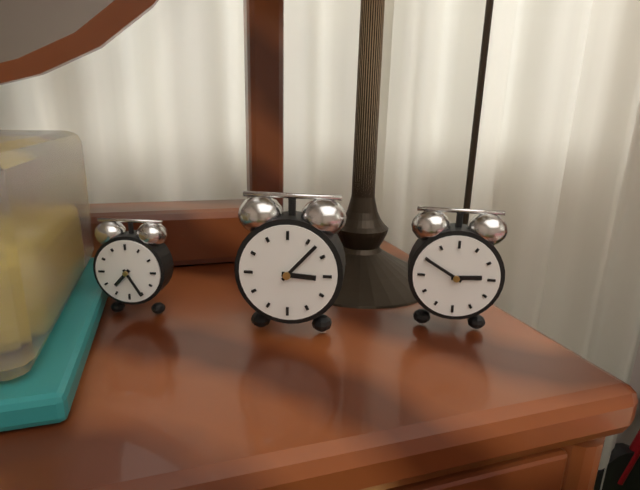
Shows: 3 h 07 min
